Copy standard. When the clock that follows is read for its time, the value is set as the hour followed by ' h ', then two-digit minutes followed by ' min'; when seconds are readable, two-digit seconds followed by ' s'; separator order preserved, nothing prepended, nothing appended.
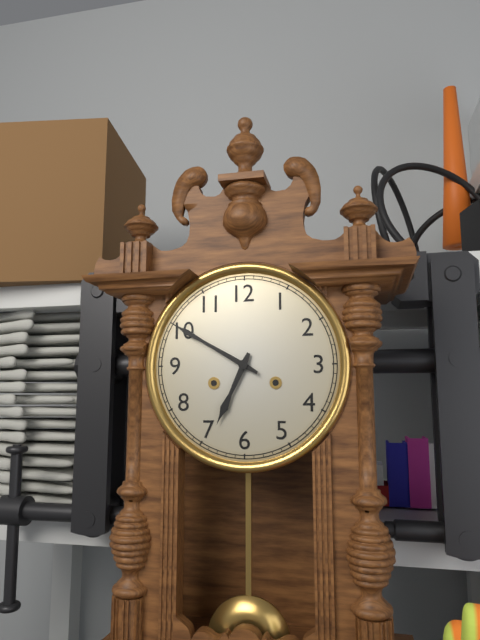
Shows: 6 h 50 min
